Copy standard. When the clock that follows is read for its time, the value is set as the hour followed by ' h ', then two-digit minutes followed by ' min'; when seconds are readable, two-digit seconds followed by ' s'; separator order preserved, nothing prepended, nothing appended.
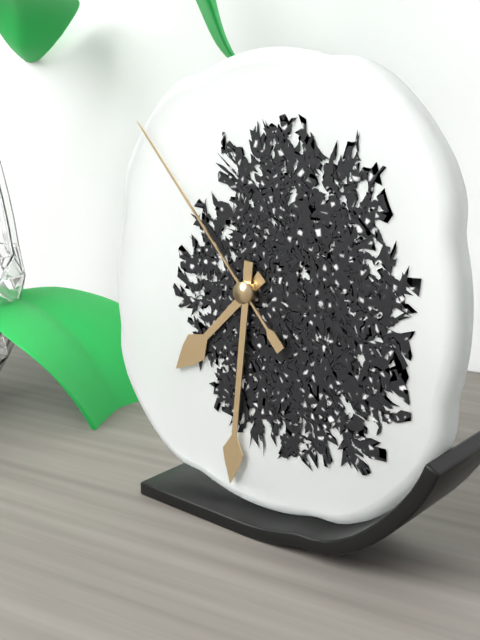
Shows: 7 h 31 min 53 s
